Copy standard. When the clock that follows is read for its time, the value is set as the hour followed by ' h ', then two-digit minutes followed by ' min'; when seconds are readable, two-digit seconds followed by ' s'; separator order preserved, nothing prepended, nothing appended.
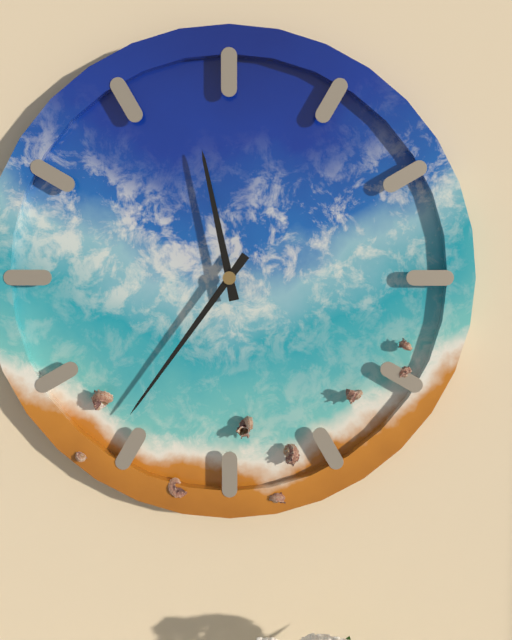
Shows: 11 h 36 min
